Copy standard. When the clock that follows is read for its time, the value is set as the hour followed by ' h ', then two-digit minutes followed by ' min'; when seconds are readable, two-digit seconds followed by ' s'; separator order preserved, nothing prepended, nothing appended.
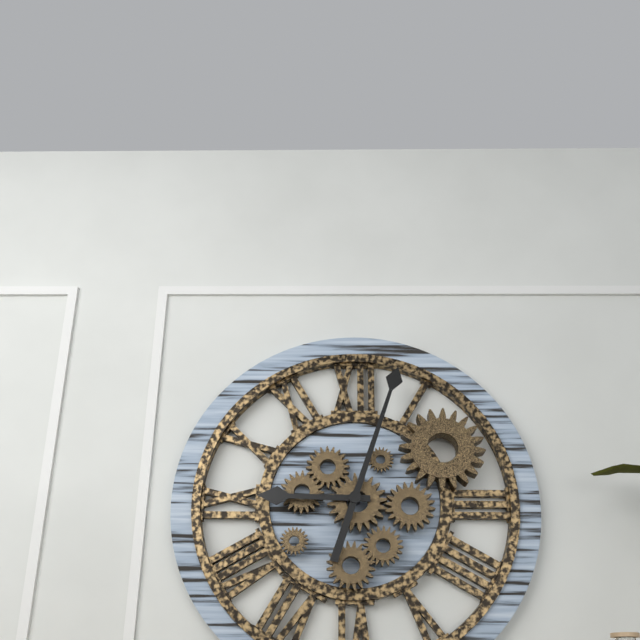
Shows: 9 h 03 min
